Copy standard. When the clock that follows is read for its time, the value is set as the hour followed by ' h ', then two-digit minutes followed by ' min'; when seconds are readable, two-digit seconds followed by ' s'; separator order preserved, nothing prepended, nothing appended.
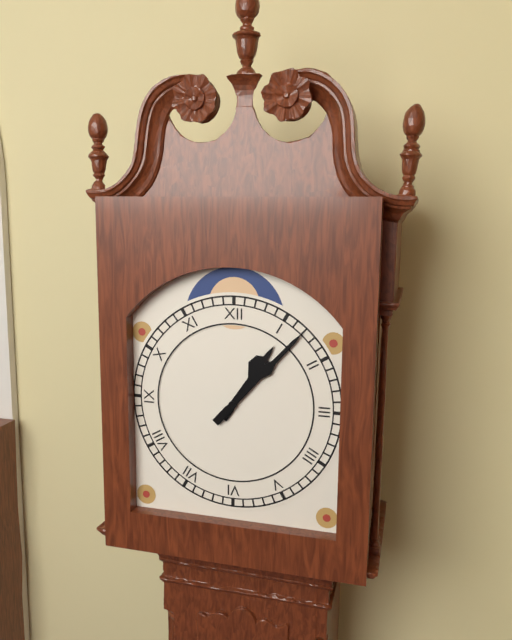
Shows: 1 h 07 min
